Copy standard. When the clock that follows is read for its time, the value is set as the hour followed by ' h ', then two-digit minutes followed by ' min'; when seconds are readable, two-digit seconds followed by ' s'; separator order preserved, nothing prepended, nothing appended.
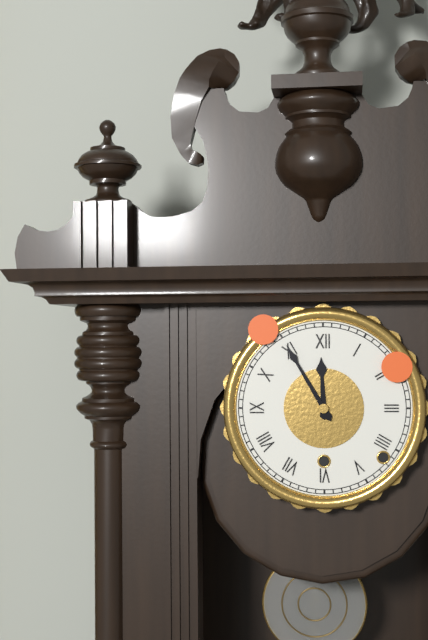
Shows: 11 h 55 min
